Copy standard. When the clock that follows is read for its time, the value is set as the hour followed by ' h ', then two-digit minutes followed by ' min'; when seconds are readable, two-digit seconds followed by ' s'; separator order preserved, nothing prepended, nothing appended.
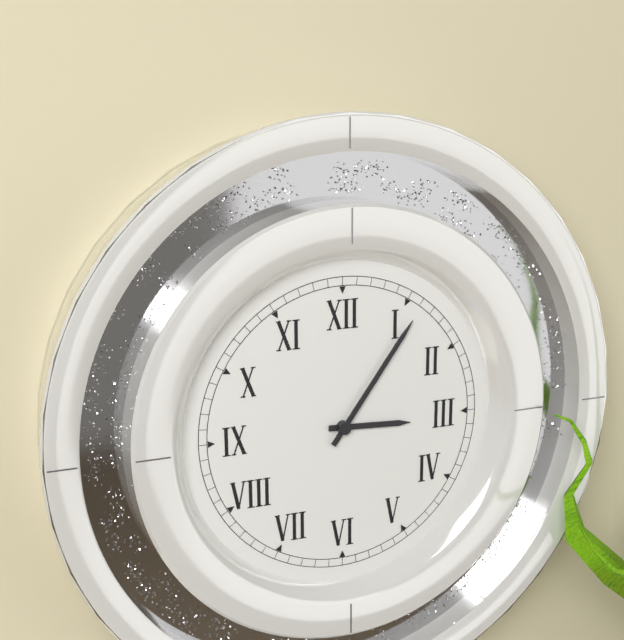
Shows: 3 h 06 min
